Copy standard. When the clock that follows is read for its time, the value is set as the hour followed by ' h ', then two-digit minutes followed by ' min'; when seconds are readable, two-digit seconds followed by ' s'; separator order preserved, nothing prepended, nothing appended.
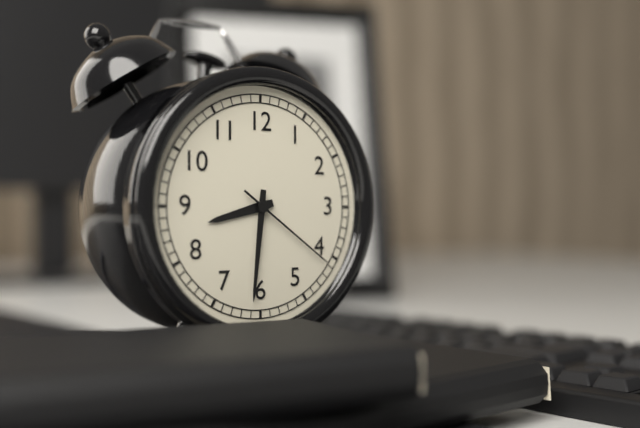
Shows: 8 h 31 min 21 s
